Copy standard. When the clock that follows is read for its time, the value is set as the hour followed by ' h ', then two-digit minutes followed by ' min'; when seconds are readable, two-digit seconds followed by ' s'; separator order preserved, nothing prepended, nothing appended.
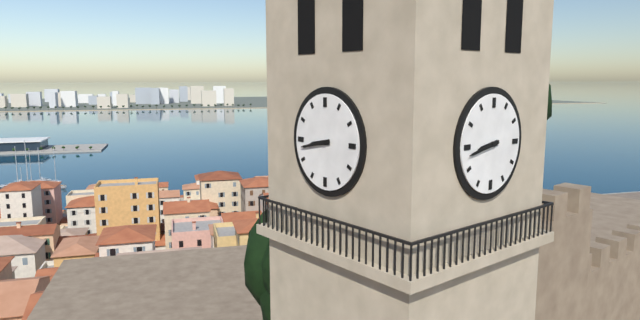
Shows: 8 h 43 min
